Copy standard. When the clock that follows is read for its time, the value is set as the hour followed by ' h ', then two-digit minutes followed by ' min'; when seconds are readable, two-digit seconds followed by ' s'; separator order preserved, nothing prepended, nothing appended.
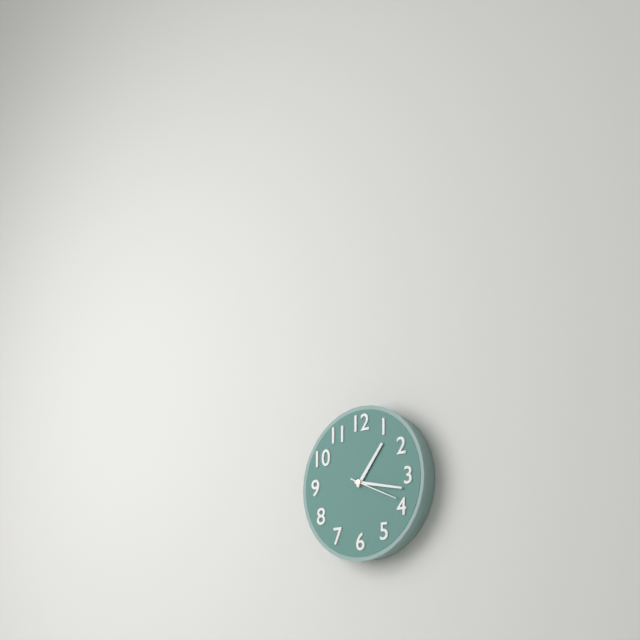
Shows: 1 h 17 min 19 s
